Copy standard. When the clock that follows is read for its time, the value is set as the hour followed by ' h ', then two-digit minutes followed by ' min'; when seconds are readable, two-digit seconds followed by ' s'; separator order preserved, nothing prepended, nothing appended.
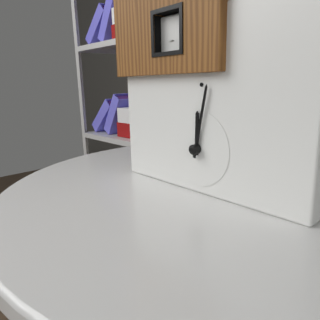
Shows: 12 h 02 min
